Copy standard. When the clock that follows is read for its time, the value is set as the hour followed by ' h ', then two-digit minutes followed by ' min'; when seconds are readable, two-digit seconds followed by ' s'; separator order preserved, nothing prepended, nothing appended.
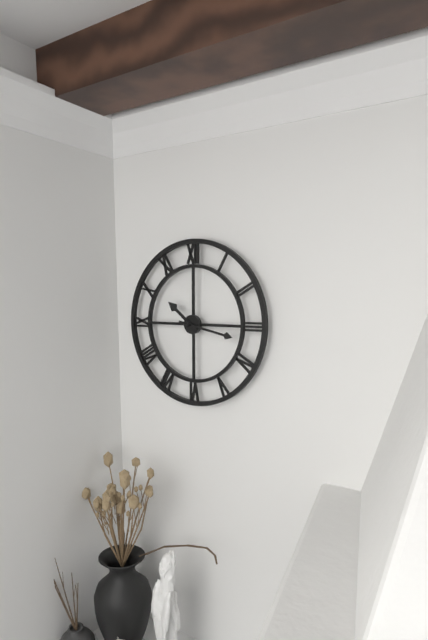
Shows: 10 h 17 min
